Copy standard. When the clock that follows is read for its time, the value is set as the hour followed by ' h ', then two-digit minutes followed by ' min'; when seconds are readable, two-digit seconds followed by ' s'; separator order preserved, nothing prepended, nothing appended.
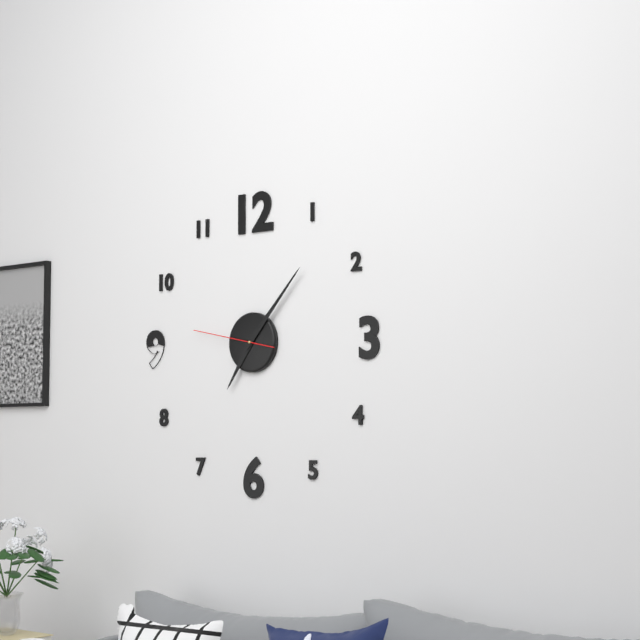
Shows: 7 h 07 min 47 s
